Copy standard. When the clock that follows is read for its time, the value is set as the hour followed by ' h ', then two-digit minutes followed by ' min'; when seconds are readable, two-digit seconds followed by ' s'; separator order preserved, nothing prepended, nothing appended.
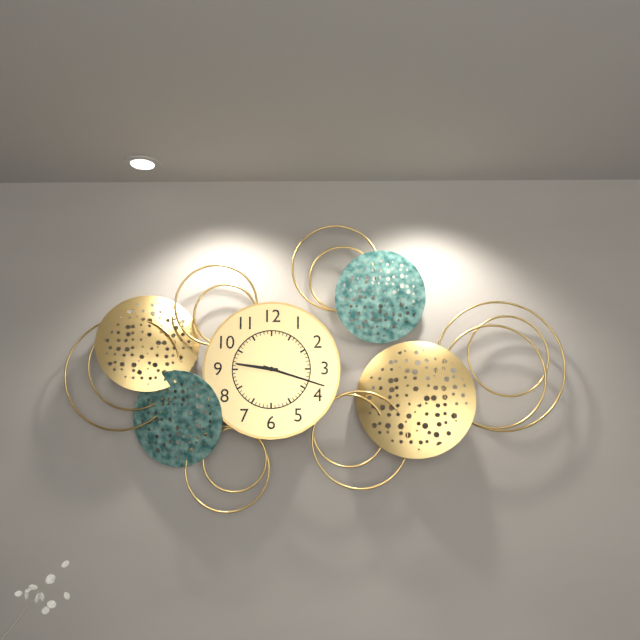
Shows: 9 h 18 min
